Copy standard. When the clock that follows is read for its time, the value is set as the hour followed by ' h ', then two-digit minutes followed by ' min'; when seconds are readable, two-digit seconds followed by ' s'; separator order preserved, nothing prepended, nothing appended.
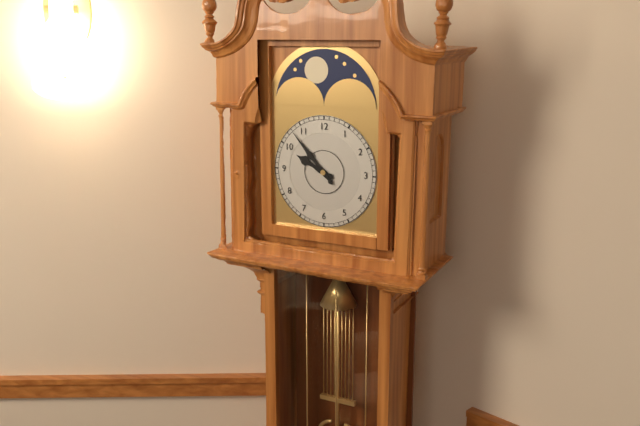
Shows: 9 h 53 min
